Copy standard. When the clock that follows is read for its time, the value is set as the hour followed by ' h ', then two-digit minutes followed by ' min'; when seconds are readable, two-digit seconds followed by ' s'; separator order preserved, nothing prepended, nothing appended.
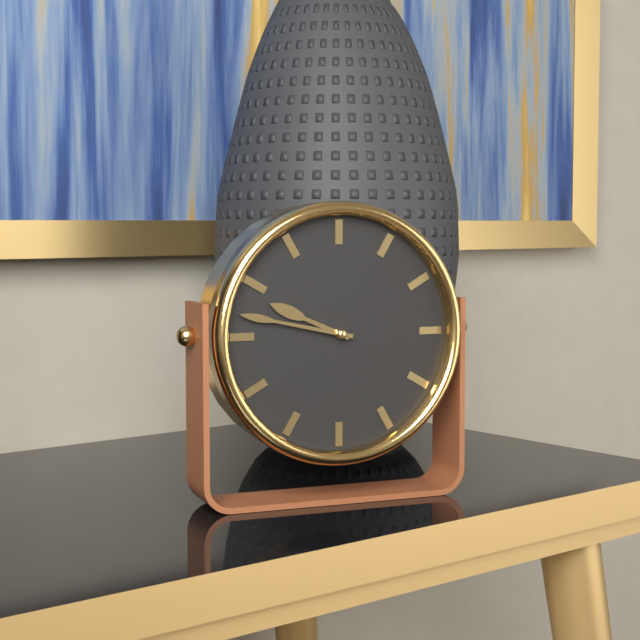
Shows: 9 h 47 min
